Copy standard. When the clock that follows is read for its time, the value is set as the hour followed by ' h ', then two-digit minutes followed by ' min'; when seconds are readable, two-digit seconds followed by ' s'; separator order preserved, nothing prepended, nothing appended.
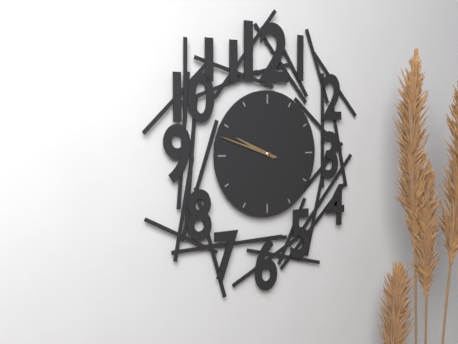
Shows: 9 h 48 min
